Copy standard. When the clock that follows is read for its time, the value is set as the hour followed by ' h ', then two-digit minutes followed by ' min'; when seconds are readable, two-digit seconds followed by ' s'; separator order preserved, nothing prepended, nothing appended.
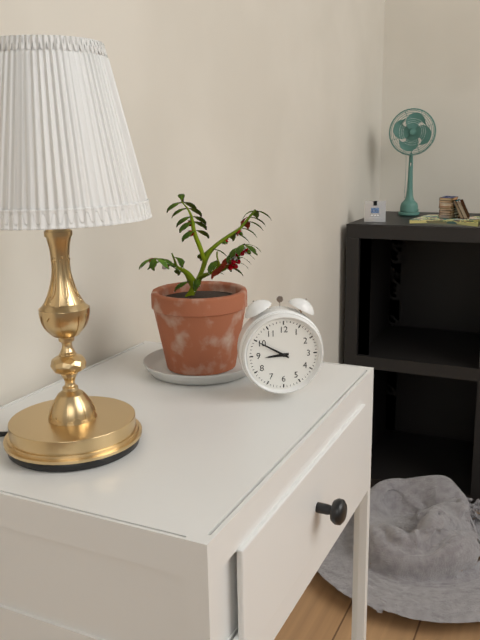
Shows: 8 h 50 min
